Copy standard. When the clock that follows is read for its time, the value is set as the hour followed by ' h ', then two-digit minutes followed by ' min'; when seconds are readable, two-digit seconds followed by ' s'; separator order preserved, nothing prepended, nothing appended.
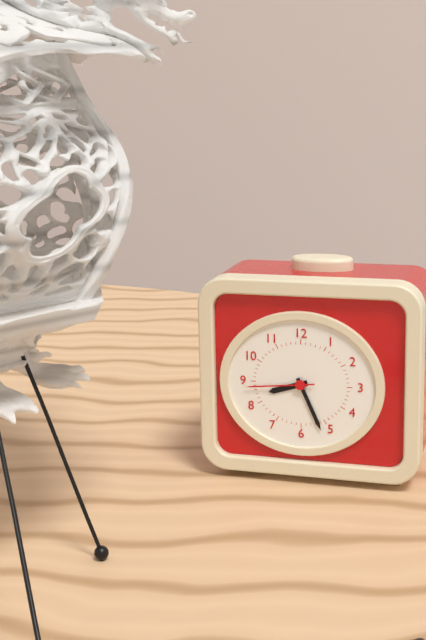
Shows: 8 h 26 min 44 s
